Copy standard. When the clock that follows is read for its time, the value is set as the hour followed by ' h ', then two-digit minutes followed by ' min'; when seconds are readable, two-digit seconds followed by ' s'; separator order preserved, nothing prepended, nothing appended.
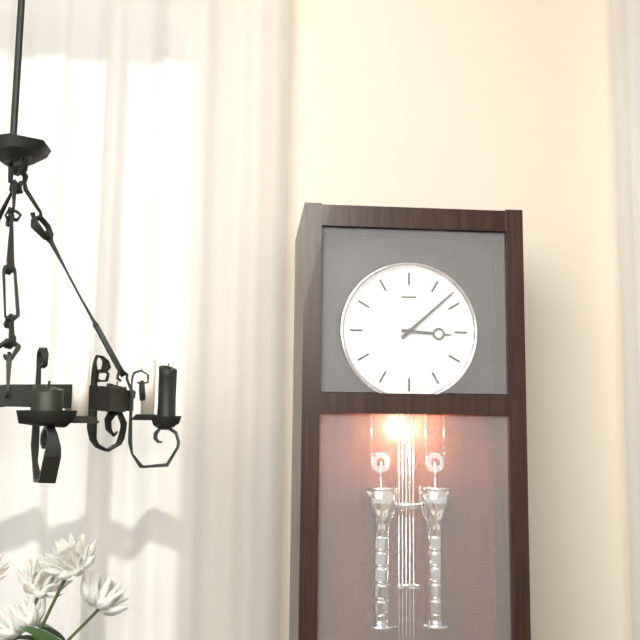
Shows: 3 h 08 min
